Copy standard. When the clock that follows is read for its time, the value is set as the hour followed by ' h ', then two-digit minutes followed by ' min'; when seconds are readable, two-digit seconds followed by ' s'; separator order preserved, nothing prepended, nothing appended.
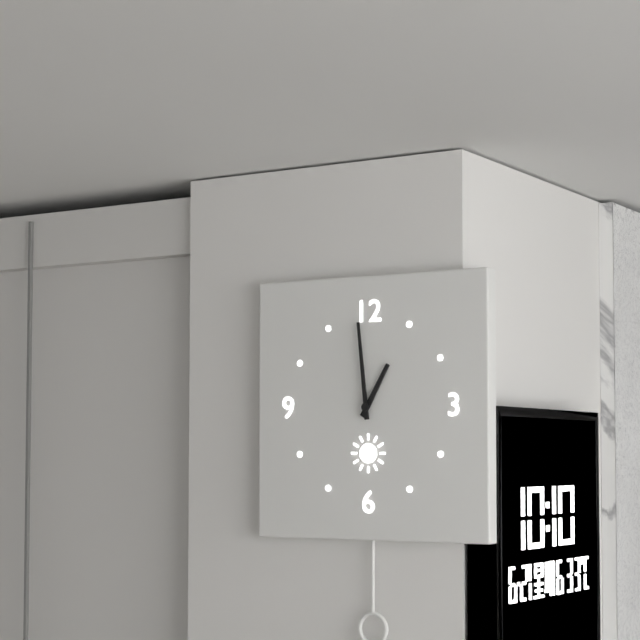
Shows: 12 h 59 min
